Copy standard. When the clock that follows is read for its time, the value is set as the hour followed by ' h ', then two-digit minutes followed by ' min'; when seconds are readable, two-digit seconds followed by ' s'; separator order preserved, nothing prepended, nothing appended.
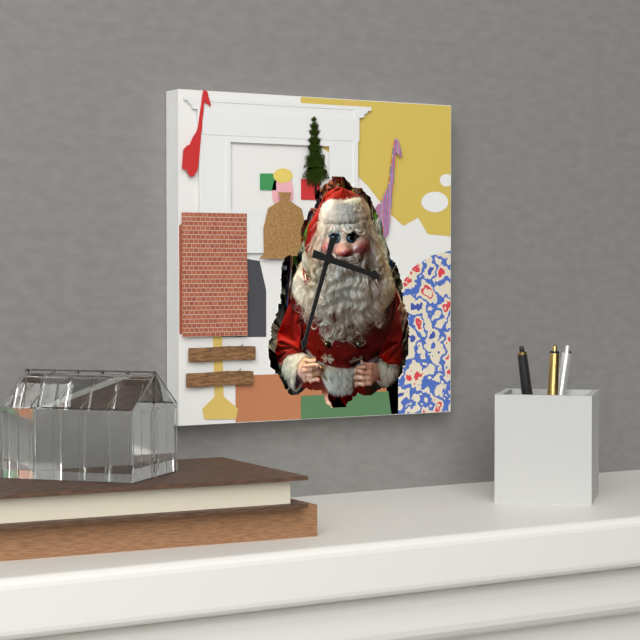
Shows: 3 h 33 min
